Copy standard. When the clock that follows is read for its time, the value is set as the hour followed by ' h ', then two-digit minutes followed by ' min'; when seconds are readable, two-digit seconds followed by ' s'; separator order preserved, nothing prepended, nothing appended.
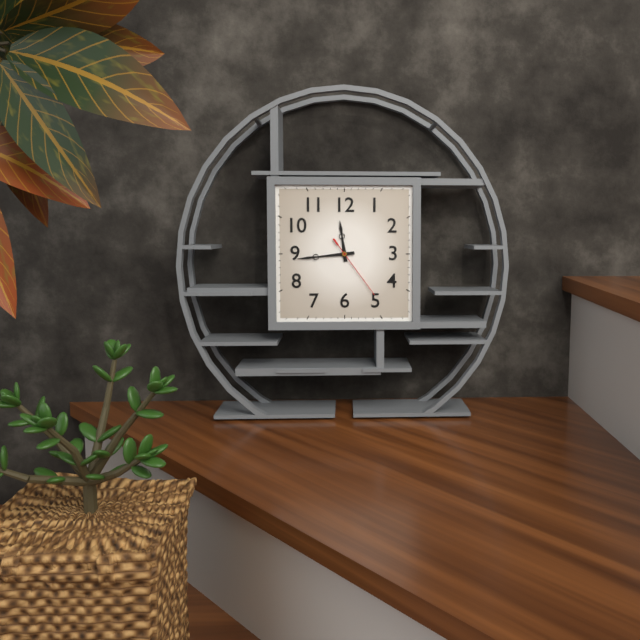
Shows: 11 h 44 min 24 s
